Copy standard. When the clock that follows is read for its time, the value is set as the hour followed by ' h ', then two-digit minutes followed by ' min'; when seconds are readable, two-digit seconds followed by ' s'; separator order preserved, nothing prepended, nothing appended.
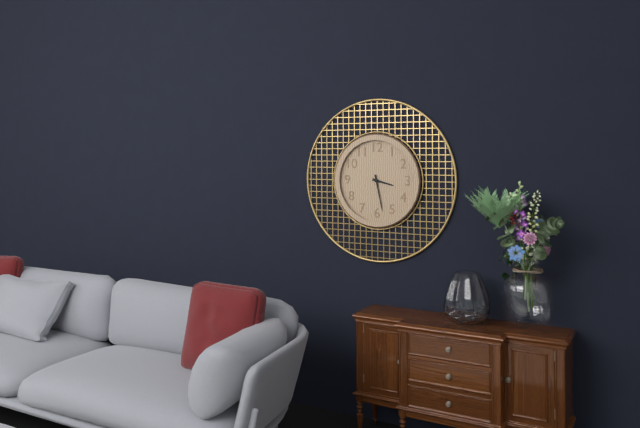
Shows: 3 h 28 min
